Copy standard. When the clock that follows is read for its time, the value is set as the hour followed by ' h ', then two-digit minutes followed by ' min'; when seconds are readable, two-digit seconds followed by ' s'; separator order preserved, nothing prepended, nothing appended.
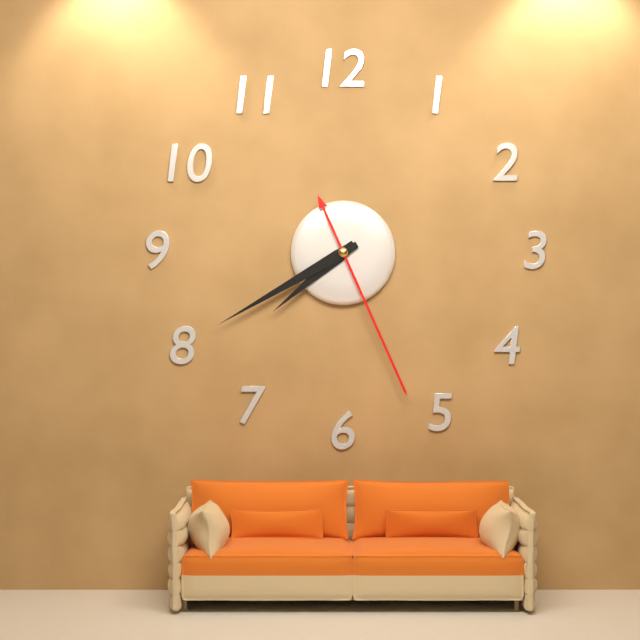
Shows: 7 h 40 min 26 s
